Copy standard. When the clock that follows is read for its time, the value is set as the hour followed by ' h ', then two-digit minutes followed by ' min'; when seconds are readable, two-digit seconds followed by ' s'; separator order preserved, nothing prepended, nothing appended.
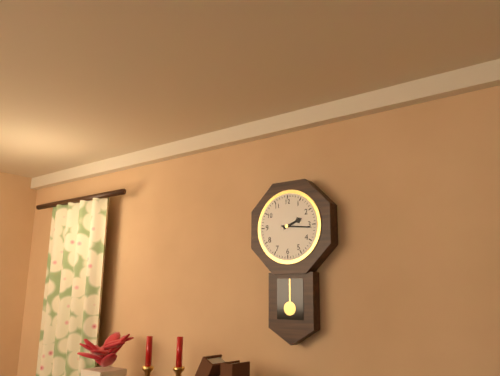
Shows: 2 h 16 min
